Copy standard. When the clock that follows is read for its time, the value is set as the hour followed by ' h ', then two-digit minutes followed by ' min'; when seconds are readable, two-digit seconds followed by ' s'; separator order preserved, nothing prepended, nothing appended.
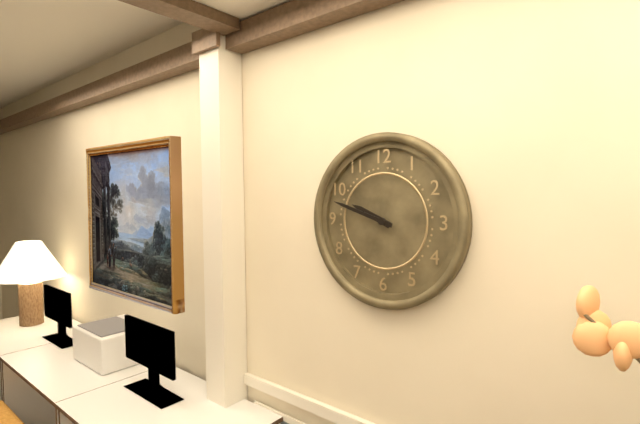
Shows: 9 h 48 min
